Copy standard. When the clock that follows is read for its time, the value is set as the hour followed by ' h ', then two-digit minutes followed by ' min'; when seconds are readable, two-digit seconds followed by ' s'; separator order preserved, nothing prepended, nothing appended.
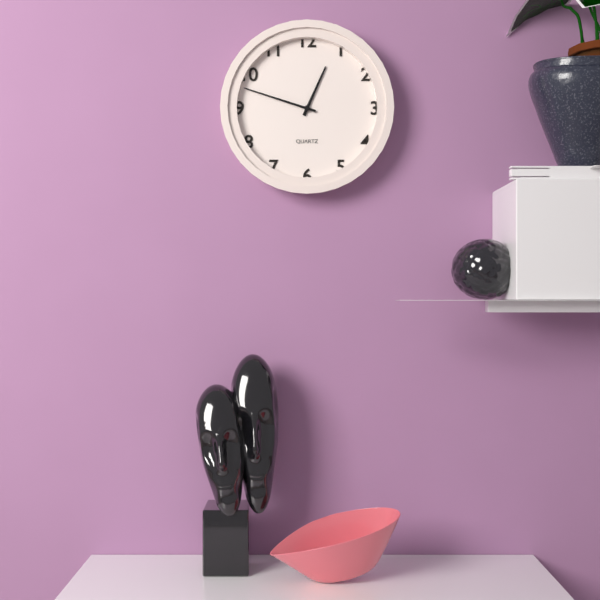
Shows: 12 h 48 min
